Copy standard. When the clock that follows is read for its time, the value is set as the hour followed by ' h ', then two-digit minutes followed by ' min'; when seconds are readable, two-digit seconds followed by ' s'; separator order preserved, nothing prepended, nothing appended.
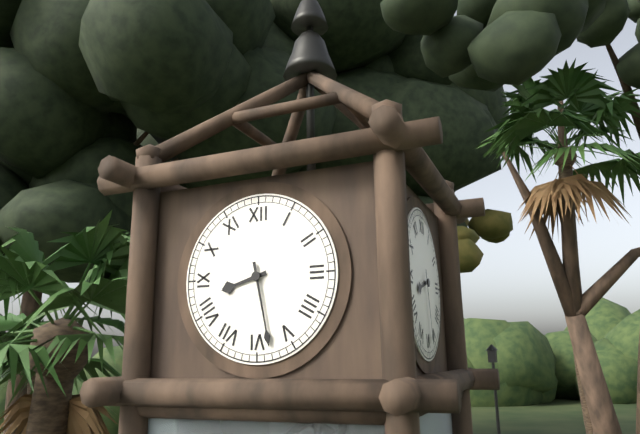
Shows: 8 h 28 min
